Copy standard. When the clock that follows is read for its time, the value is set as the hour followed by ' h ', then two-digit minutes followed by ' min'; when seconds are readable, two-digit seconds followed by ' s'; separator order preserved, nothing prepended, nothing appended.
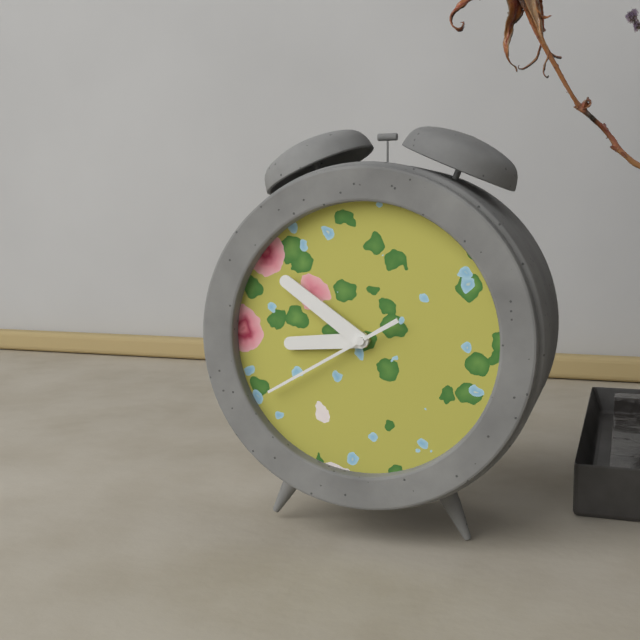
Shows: 8 h 51 min 40 s
